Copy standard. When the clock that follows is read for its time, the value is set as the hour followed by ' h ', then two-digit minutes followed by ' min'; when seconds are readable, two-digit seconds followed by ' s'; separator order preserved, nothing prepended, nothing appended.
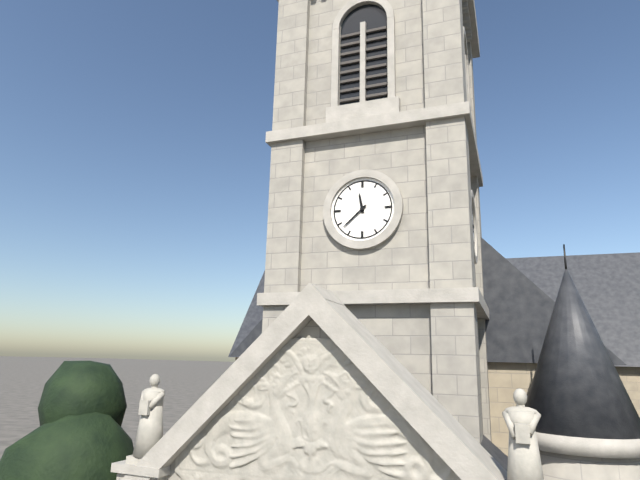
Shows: 11 h 38 min
